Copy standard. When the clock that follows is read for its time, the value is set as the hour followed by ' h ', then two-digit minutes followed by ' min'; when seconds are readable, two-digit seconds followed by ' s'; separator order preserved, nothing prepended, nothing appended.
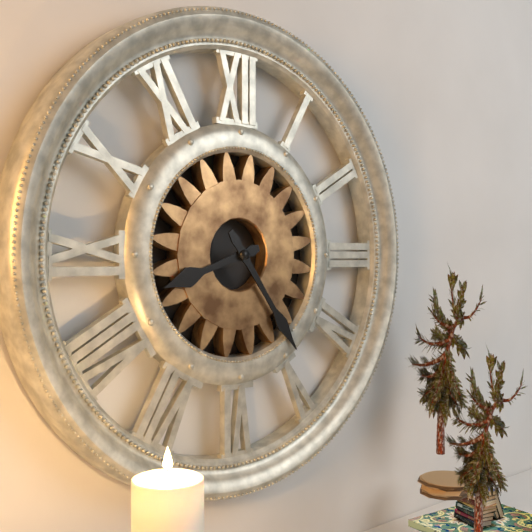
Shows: 8 h 24 min
